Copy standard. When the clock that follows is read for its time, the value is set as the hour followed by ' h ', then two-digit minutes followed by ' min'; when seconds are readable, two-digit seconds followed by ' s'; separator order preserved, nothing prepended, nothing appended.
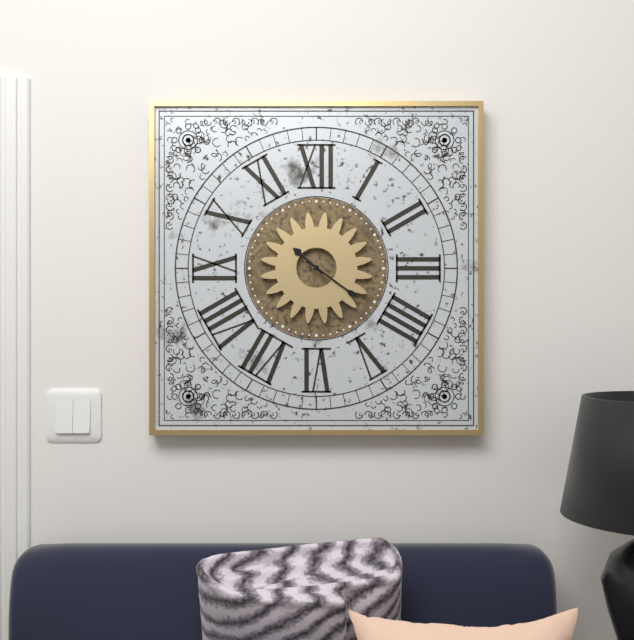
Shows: 10 h 21 min
